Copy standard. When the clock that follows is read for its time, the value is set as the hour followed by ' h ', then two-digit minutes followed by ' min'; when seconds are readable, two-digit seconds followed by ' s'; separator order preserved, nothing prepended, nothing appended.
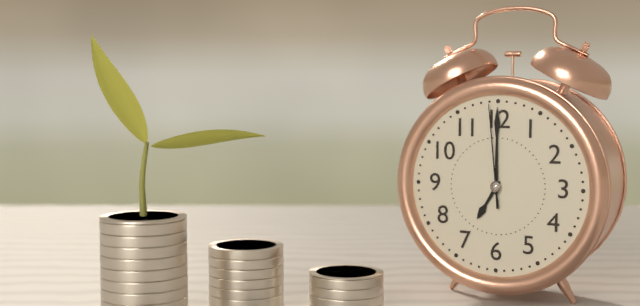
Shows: 7 h 00 min 59 s
